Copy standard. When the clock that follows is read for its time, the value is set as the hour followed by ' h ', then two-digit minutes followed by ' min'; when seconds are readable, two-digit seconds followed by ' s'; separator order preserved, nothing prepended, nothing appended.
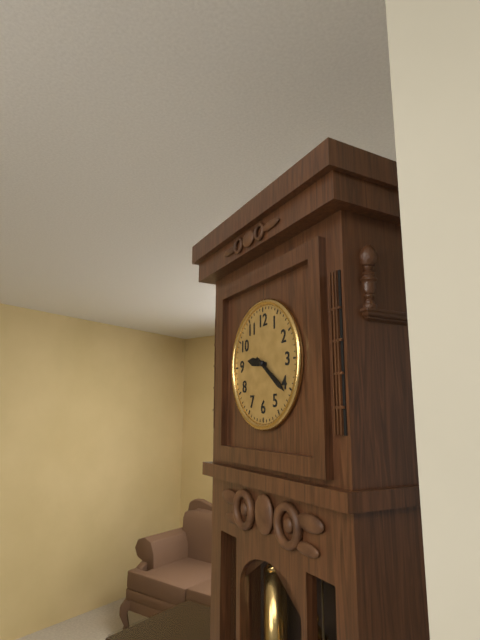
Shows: 9 h 21 min
